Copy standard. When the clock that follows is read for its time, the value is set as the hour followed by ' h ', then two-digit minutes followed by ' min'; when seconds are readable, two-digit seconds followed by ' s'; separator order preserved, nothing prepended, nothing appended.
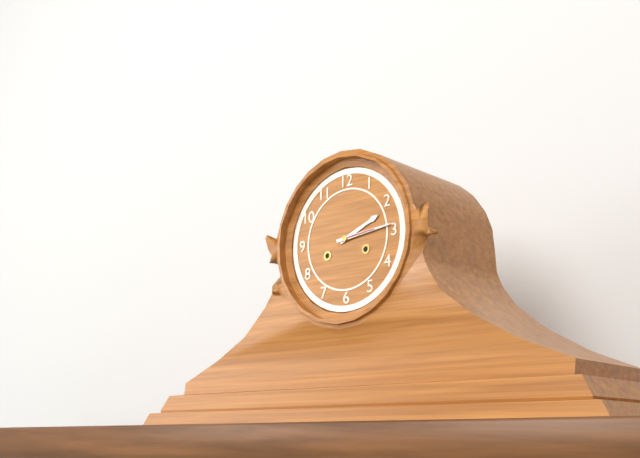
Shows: 2 h 14 min
